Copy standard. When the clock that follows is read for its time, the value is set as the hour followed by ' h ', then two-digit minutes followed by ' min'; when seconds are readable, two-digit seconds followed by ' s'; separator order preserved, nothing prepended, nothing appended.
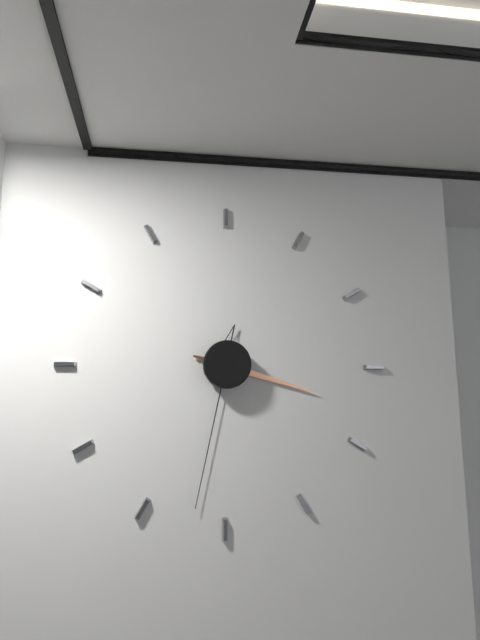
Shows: 3 h 32 min
